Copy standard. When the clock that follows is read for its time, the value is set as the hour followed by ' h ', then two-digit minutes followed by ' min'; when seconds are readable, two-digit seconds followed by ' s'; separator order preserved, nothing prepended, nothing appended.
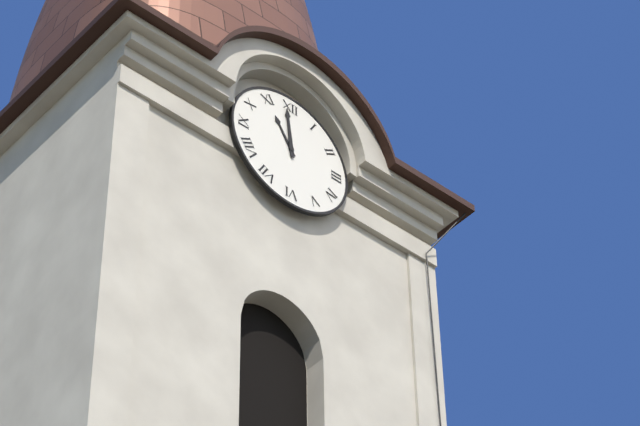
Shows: 10 h 59 min
